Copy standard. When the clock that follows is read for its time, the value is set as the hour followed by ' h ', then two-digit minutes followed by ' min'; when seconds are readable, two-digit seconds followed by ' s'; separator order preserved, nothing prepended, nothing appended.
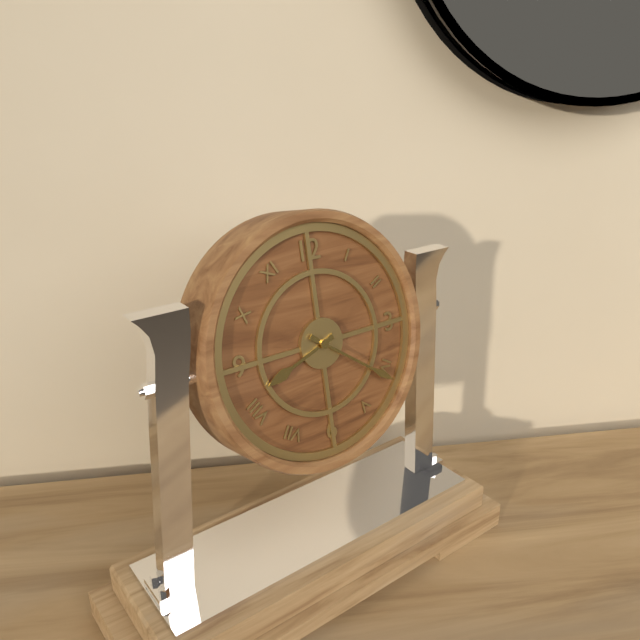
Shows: 8 h 21 min
